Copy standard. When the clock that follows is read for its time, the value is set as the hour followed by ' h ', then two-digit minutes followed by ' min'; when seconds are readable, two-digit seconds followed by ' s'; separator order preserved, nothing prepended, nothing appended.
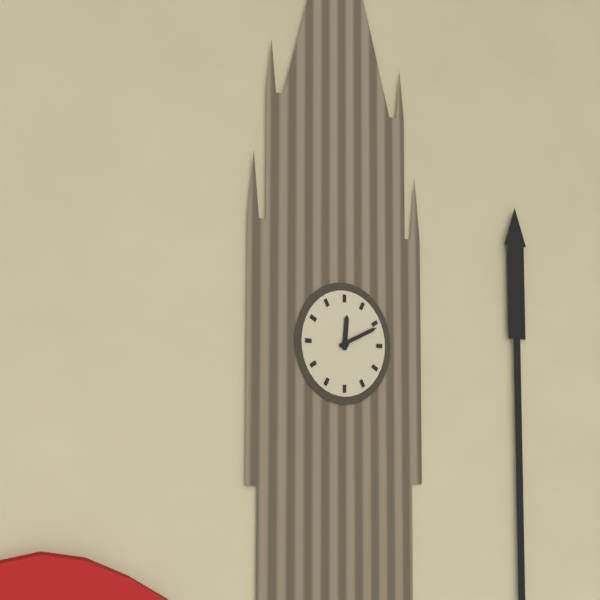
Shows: 12 h 11 min
